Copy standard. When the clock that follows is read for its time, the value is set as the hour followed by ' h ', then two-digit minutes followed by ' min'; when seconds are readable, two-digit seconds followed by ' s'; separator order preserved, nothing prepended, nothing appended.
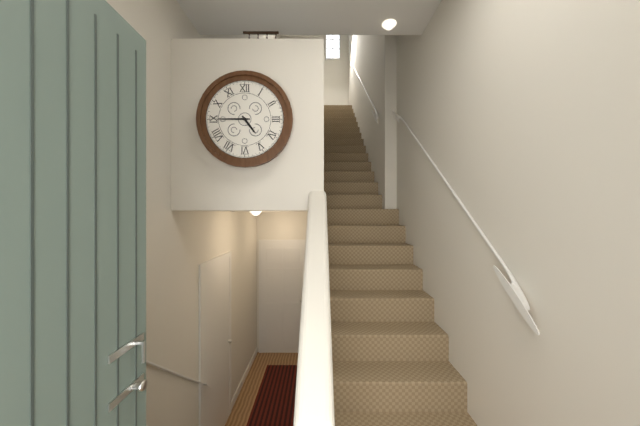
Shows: 4 h 45 min
